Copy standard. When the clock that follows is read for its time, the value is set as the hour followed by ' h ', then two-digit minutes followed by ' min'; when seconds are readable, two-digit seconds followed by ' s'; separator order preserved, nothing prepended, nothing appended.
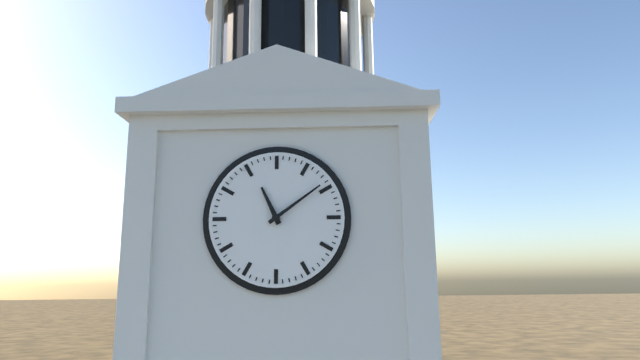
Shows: 11 h 09 min
